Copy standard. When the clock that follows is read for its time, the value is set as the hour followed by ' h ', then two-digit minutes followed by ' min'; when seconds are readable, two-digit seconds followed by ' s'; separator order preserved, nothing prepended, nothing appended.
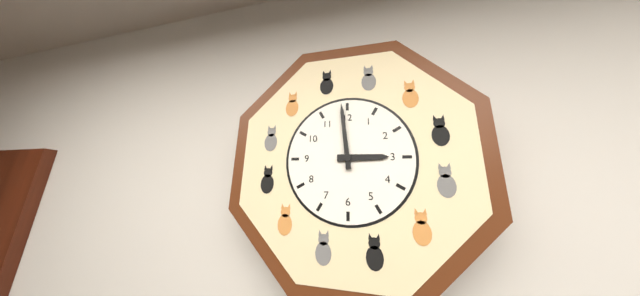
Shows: 2 h 59 min
